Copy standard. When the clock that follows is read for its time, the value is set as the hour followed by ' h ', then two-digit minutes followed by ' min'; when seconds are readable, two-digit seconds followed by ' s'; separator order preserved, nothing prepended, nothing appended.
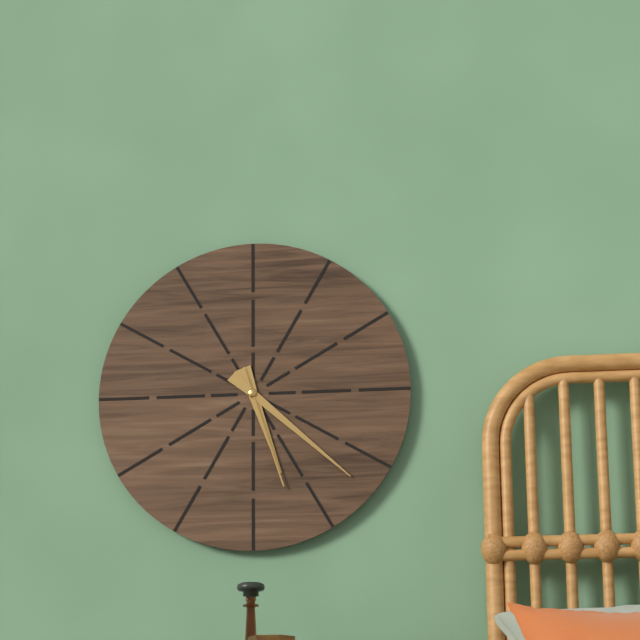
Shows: 5 h 22 min 27 s
